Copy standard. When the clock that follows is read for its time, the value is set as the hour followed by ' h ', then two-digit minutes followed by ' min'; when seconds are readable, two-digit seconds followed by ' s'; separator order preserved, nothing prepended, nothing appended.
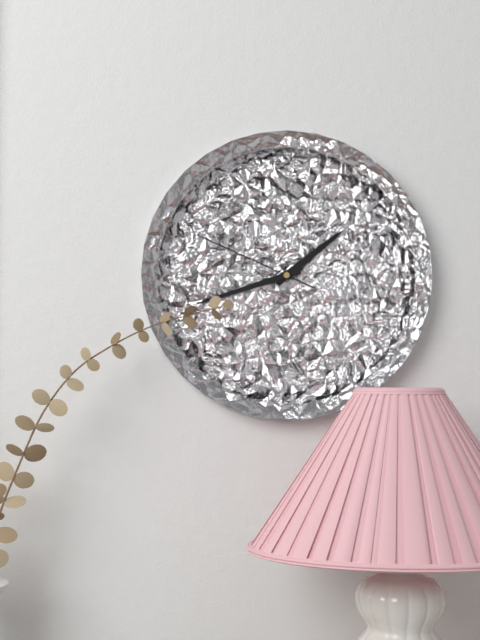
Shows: 1 h 42 min 49 s
